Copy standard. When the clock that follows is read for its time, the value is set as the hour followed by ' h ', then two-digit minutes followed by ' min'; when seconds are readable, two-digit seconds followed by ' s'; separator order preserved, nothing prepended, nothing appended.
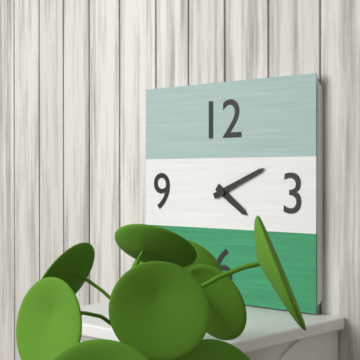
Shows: 4 h 11 min
